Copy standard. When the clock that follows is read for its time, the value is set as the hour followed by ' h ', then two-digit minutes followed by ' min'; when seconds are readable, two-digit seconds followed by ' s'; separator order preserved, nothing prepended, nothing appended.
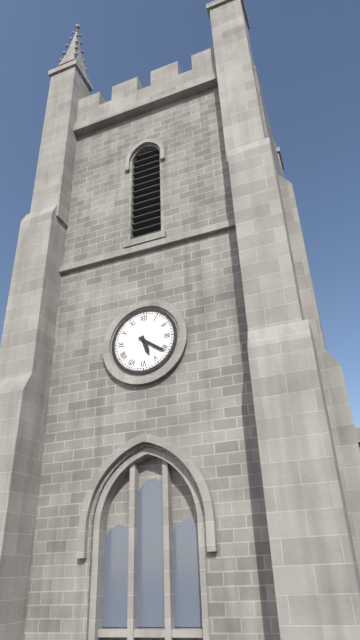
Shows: 5 h 21 min
